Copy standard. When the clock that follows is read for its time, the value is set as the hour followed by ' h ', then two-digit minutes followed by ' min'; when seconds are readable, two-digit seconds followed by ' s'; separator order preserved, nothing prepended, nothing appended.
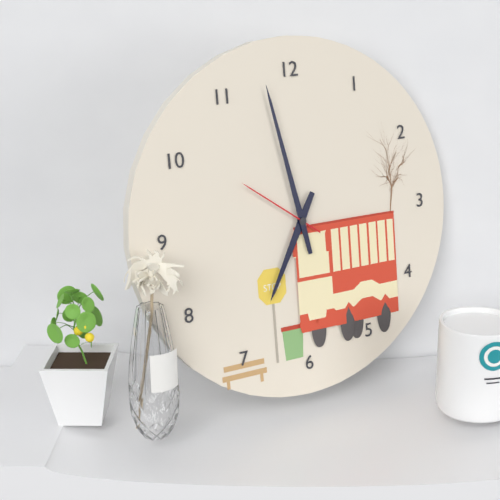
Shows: 6 h 58 min 51 s
